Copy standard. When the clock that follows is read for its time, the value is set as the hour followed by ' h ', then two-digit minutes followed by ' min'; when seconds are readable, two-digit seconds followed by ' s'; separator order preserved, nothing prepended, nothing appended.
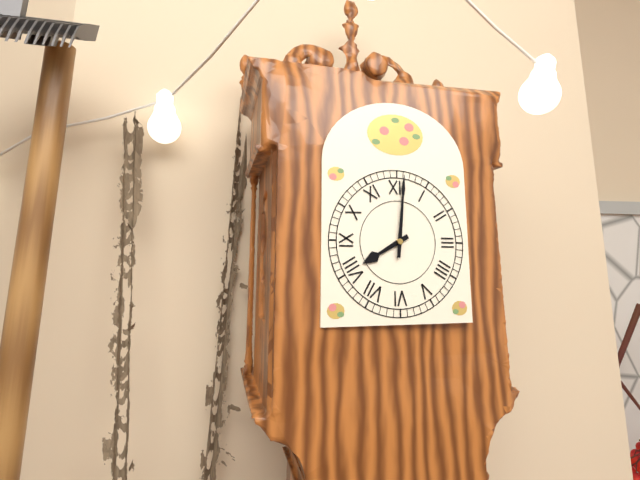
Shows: 8 h 01 min
